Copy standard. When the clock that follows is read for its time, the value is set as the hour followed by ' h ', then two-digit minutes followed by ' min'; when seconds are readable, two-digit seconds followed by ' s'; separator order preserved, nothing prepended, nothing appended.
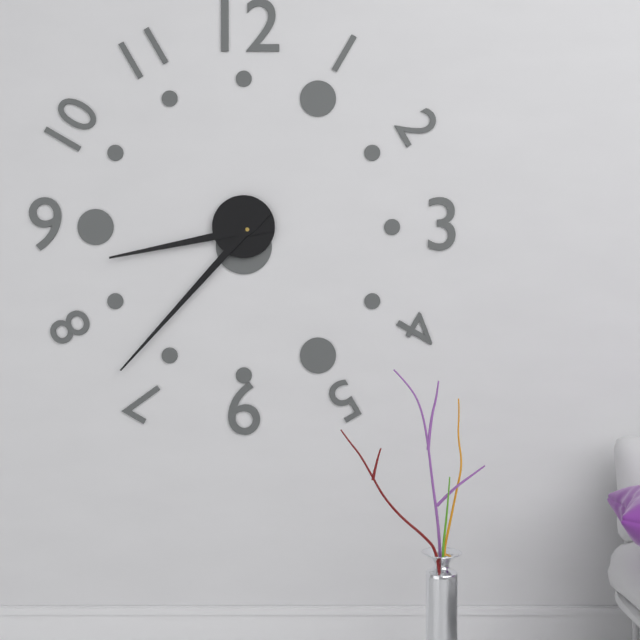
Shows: 8 h 37 min
